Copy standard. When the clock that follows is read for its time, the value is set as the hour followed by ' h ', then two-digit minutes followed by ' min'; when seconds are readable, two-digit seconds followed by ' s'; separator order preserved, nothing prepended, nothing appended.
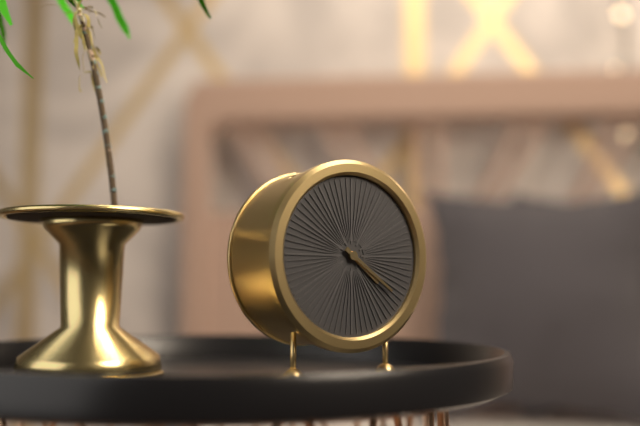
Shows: 4 h 21 min
